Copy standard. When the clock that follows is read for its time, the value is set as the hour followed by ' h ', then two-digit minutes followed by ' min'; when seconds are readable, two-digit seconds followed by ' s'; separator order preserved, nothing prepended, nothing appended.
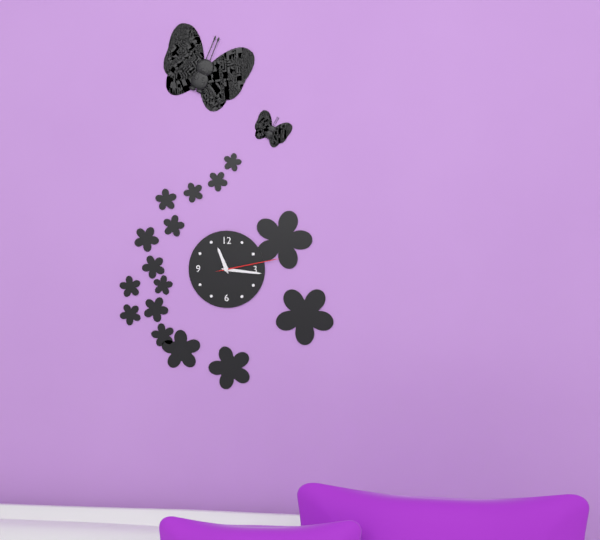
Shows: 11 h 16 min 13 s
